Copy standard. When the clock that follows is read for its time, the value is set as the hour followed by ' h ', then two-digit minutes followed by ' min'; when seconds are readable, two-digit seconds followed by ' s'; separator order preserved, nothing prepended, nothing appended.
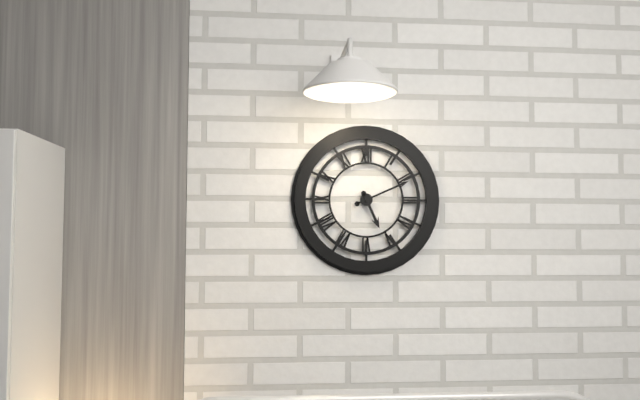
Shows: 5 h 11 min
